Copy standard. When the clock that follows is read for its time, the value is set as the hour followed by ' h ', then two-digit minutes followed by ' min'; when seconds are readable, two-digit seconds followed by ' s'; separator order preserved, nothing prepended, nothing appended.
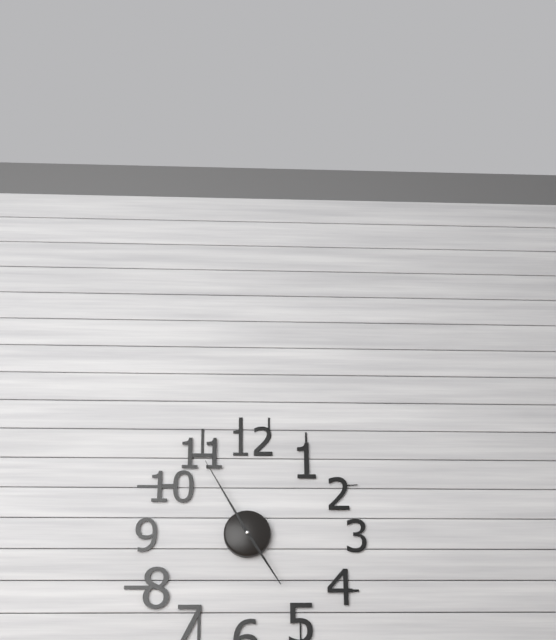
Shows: 4 h 55 min
